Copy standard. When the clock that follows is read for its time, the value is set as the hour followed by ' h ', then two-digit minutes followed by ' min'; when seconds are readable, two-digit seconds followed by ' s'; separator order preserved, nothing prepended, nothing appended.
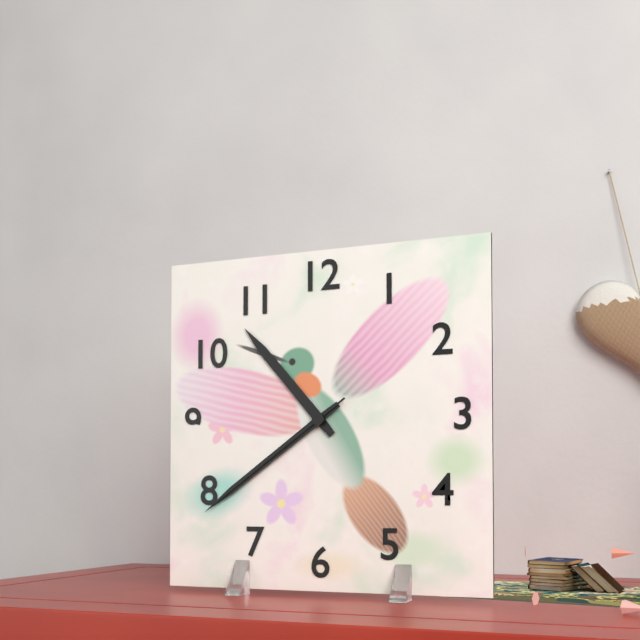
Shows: 10 h 39 min 39 s
